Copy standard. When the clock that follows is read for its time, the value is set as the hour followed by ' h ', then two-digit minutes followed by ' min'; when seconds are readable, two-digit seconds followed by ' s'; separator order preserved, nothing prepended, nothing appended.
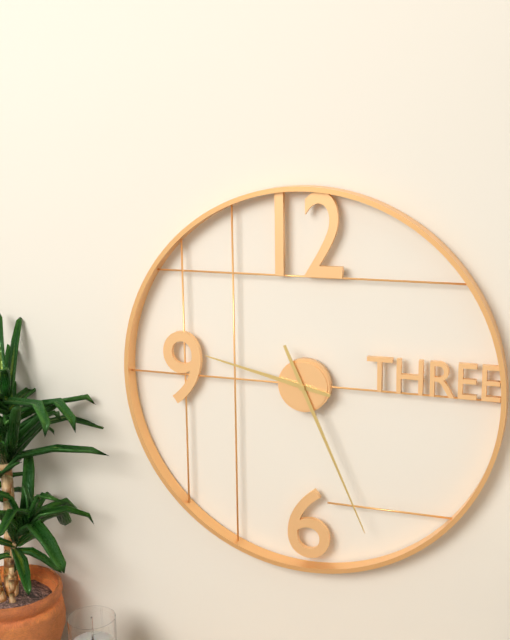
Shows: 9 h 26 min
